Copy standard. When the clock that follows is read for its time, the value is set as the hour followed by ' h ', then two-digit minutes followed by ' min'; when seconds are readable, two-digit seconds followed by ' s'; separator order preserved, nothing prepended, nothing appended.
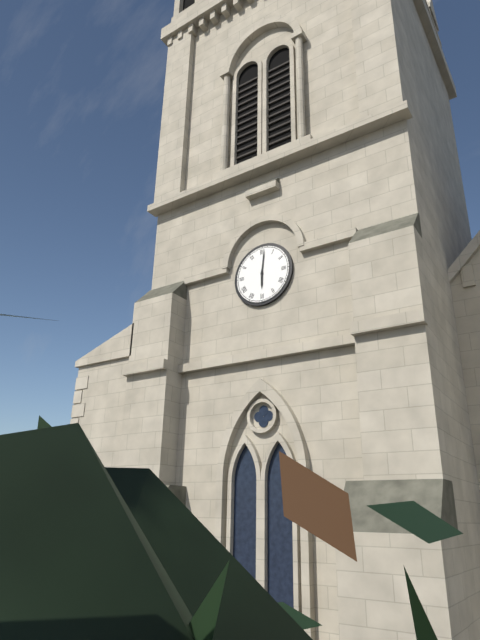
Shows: 6 h 01 min
